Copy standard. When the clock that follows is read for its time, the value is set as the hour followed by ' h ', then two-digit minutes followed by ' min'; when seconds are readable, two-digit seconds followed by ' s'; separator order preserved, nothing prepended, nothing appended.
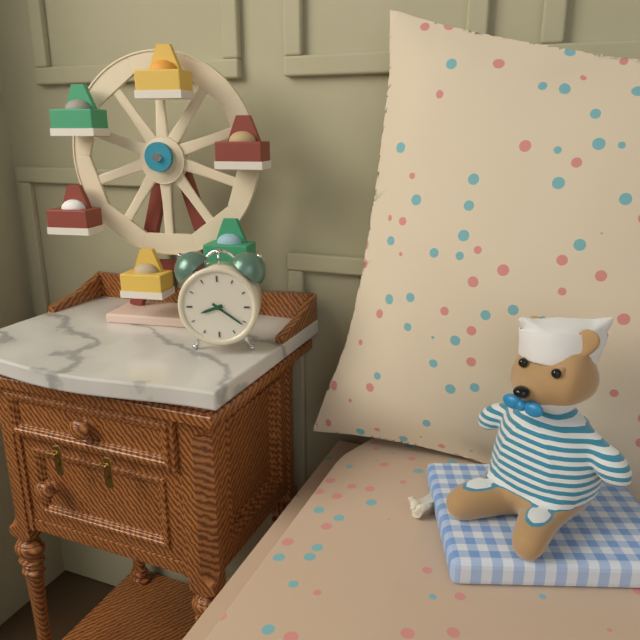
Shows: 8 h 21 min
